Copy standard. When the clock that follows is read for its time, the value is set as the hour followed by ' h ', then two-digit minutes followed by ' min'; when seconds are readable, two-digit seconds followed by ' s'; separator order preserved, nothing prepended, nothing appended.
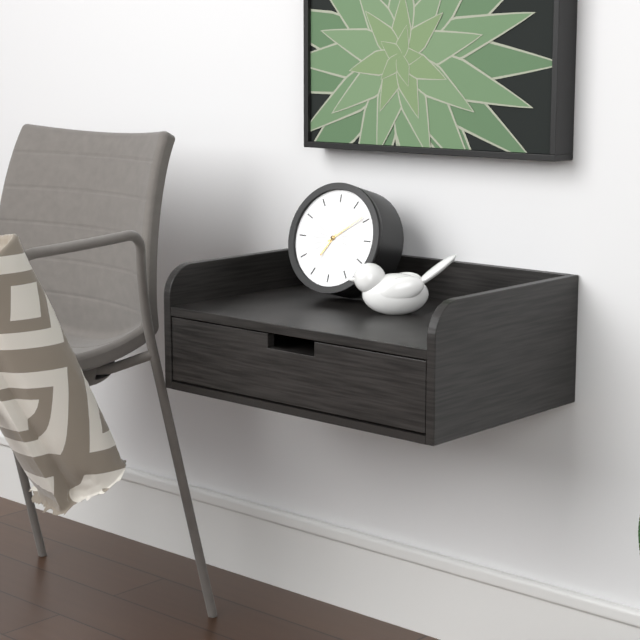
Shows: 7 h 09 min
